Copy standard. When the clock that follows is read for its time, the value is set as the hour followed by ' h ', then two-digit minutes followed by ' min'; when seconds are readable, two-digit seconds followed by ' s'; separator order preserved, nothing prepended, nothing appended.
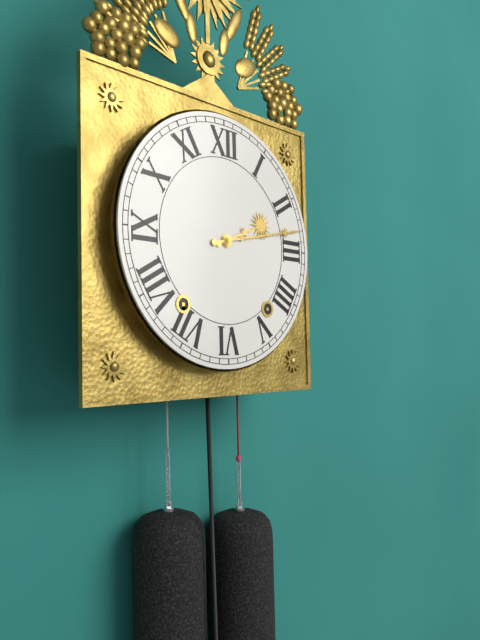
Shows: 2 h 13 min
